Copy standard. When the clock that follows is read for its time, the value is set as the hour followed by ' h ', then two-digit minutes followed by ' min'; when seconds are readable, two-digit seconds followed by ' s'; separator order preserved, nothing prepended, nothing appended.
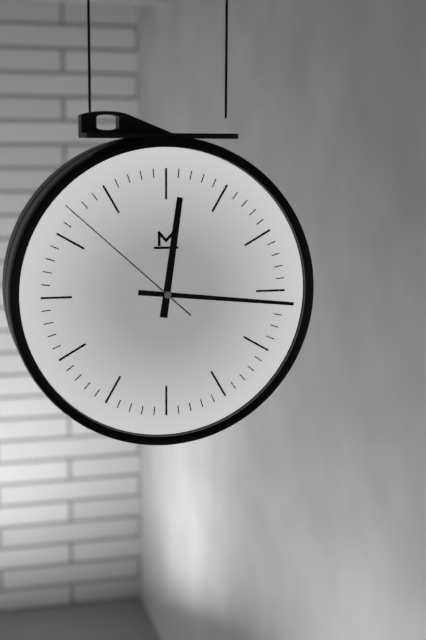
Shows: 12 h 16 min 52 s
